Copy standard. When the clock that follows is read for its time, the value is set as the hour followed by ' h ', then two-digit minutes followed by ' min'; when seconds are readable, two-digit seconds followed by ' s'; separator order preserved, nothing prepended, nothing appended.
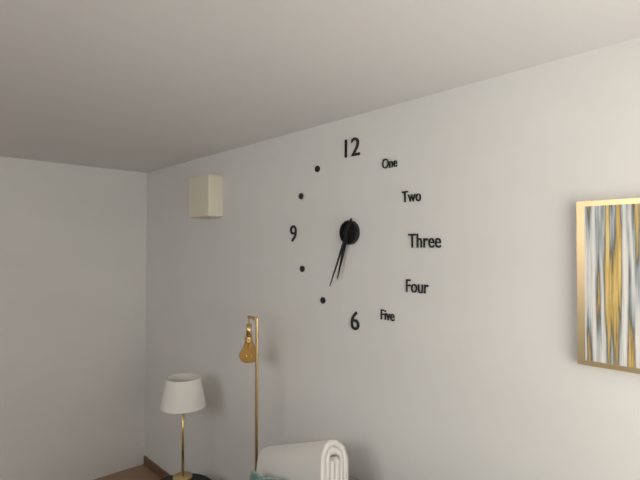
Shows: 6 h 34 min
